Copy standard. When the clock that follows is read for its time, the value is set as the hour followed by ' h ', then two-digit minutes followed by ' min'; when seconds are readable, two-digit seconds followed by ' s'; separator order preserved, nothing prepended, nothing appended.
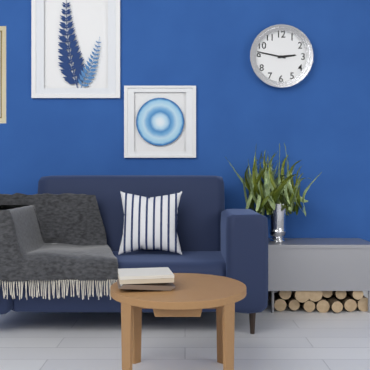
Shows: 2 h 47 min
